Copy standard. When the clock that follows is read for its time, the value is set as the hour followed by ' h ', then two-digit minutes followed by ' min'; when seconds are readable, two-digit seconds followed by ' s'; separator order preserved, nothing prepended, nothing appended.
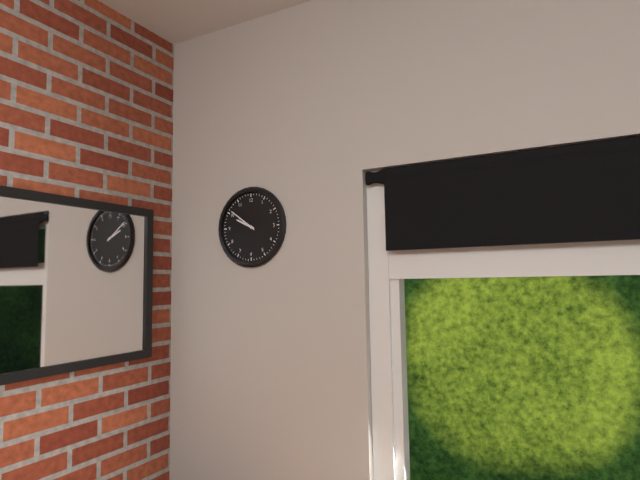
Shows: 9 h 51 min
